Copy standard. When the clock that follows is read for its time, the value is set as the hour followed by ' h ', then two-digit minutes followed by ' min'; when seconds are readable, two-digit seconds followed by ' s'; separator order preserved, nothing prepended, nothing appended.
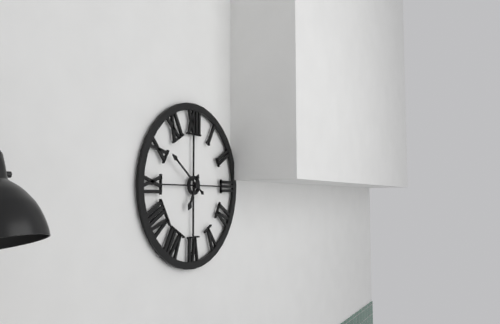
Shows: 6 h 51 min
